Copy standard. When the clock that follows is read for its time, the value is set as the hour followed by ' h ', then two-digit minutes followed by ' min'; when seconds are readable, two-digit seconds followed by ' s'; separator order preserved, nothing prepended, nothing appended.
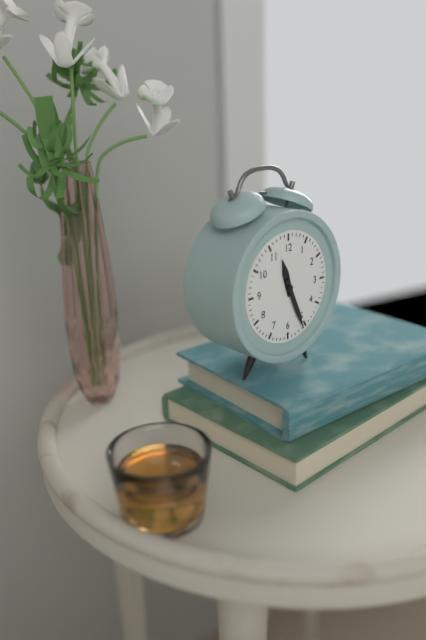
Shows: 11 h 26 min
